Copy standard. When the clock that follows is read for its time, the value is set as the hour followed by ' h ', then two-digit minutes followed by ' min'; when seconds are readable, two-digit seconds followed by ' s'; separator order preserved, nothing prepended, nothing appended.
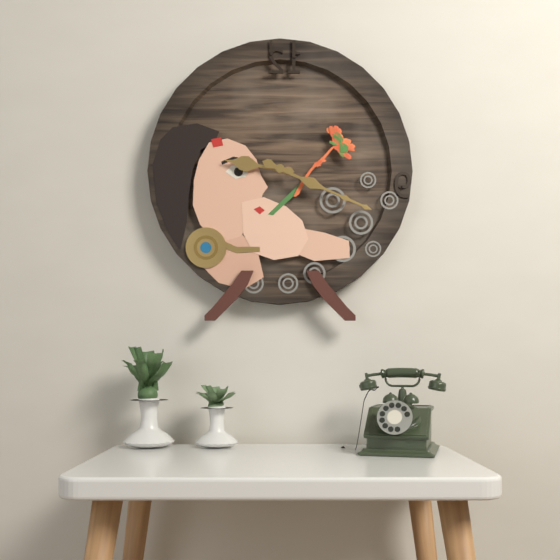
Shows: 9 h 19 min
